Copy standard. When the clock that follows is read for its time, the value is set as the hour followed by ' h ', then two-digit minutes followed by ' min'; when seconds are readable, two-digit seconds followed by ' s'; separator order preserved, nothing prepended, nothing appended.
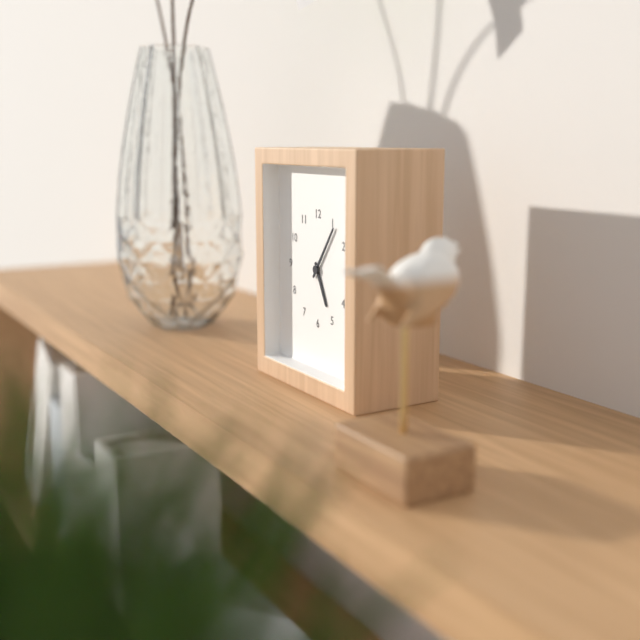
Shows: 5 h 06 min
